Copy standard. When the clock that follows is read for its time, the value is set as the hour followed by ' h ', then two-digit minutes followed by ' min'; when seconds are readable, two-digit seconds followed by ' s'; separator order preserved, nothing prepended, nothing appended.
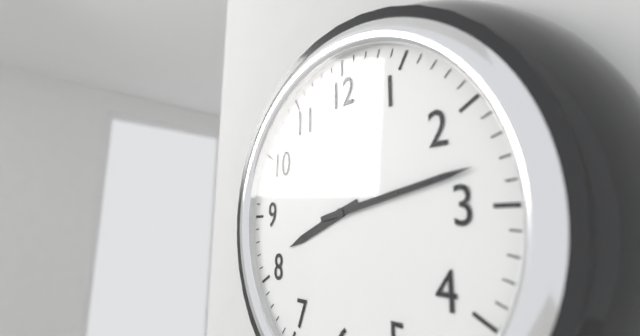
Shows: 8 h 13 min
